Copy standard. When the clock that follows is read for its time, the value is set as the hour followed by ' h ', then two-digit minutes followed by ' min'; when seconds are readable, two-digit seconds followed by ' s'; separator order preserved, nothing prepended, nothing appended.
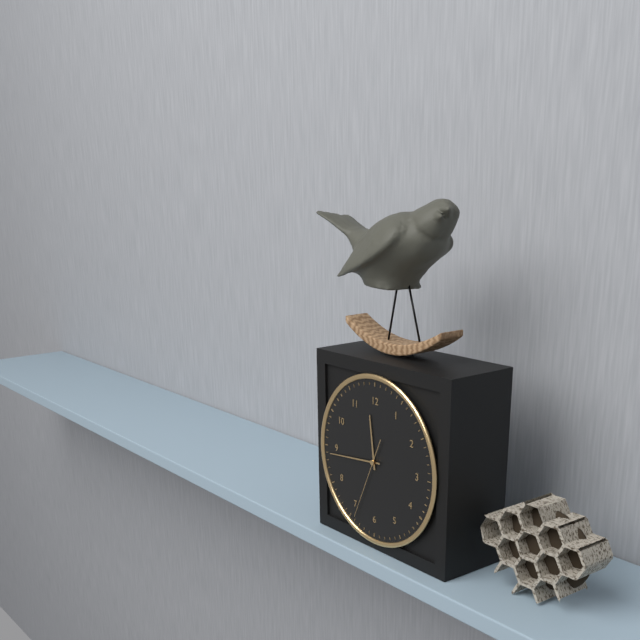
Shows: 11 h 44 min 34 s
